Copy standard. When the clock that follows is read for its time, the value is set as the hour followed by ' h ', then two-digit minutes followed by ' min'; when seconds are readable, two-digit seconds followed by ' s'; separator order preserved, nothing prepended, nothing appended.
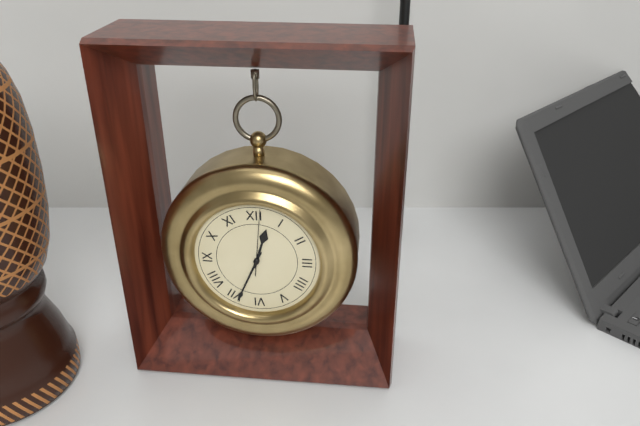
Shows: 12 h 34 min 01 s
